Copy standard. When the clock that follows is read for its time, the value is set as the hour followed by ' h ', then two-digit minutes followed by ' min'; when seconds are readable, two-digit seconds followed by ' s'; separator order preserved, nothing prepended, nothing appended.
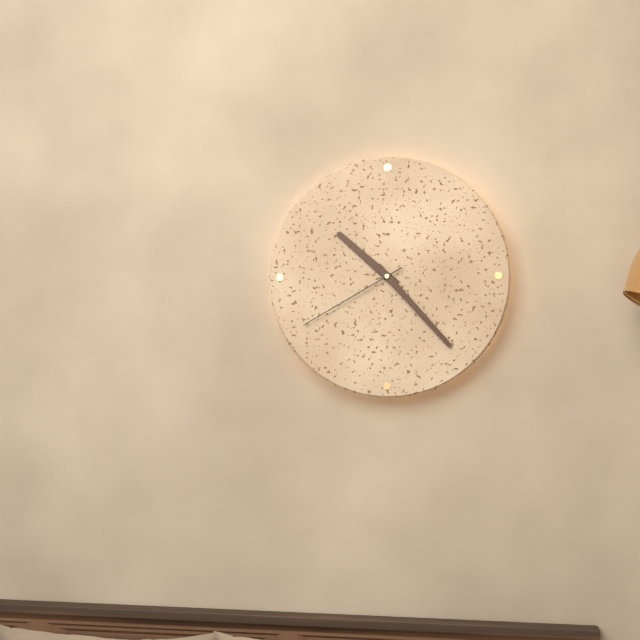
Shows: 10 h 23 min 40 s
